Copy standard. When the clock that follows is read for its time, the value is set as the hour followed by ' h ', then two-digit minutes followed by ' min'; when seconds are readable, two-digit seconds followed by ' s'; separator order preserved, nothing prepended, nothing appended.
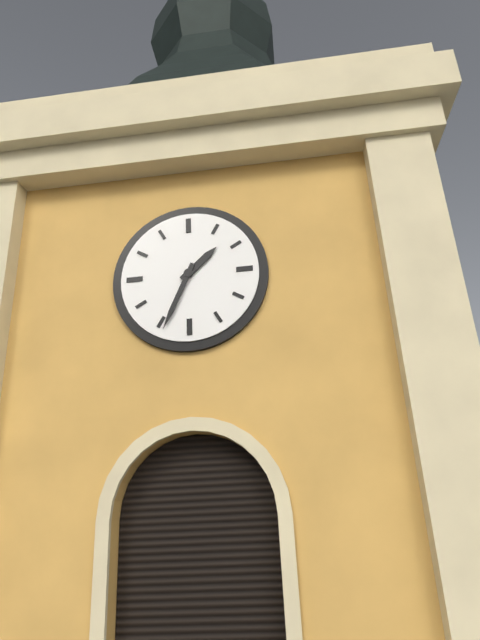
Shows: 1 h 34 min
